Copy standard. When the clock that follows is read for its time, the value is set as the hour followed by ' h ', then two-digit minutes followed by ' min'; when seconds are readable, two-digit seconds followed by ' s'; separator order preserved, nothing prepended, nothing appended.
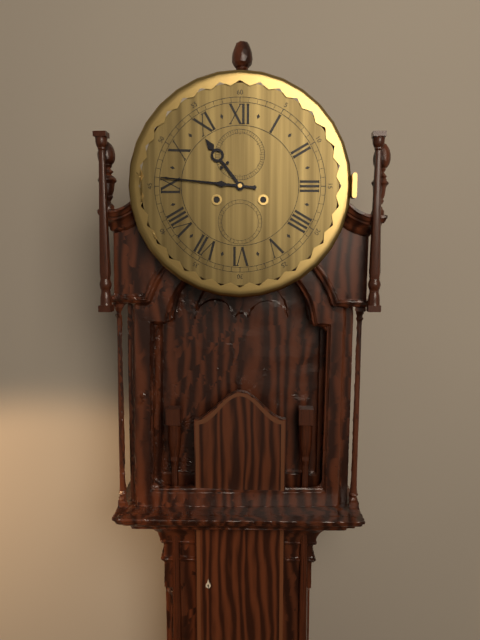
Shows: 10 h 46 min
